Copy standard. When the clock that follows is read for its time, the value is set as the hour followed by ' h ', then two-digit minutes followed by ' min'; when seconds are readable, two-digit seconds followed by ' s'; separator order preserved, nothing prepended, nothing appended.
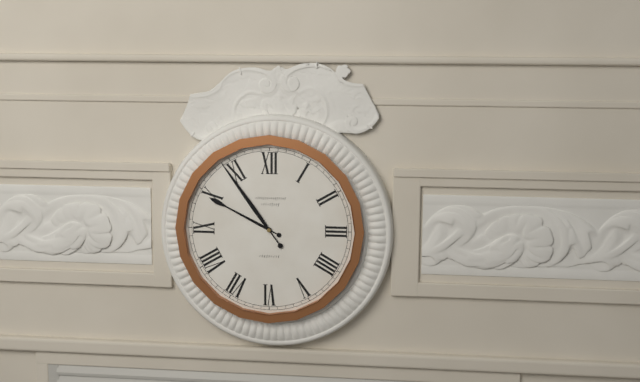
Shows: 9 h 54 min
